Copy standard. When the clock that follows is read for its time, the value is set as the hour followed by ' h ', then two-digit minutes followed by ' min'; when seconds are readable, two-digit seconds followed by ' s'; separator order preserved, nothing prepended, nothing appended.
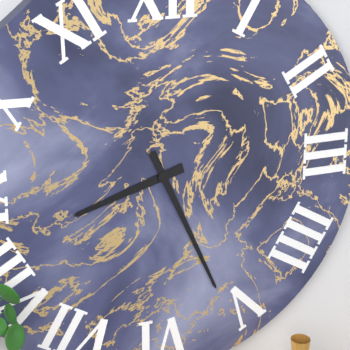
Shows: 8 h 26 min
